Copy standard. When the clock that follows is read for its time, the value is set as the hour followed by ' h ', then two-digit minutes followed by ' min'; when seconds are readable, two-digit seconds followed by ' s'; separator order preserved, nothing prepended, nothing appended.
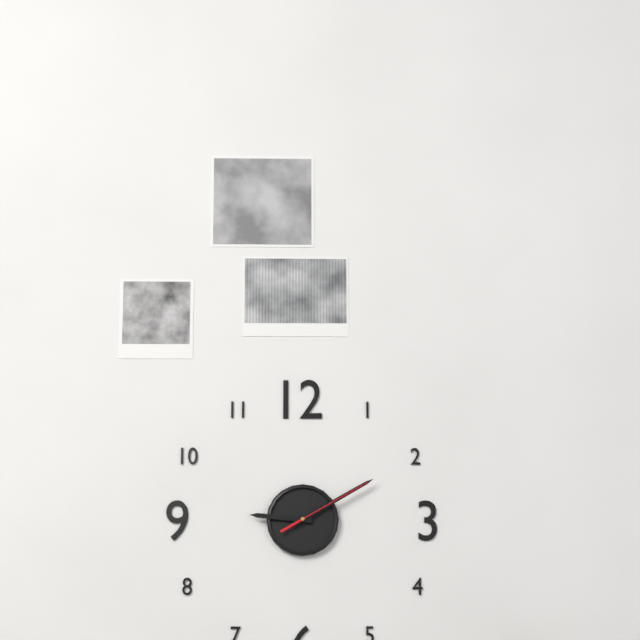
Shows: 9 h 10 min 10 s
